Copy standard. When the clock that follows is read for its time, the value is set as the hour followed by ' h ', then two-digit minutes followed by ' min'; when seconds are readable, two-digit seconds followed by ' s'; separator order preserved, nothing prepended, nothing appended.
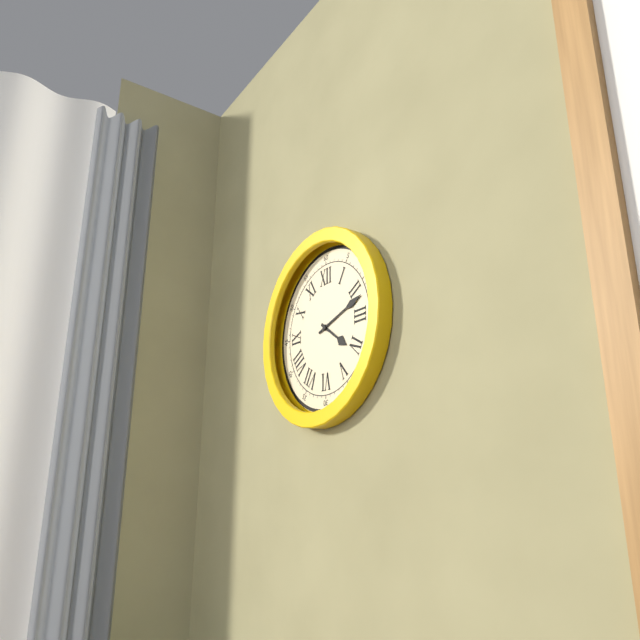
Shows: 4 h 12 min
